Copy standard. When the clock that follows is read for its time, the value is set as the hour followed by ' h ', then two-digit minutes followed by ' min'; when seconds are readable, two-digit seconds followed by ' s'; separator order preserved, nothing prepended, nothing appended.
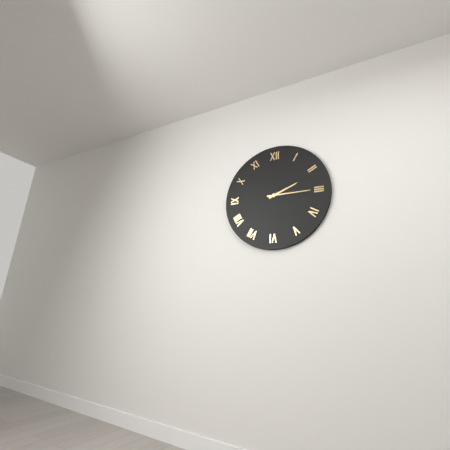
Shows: 2 h 15 min
